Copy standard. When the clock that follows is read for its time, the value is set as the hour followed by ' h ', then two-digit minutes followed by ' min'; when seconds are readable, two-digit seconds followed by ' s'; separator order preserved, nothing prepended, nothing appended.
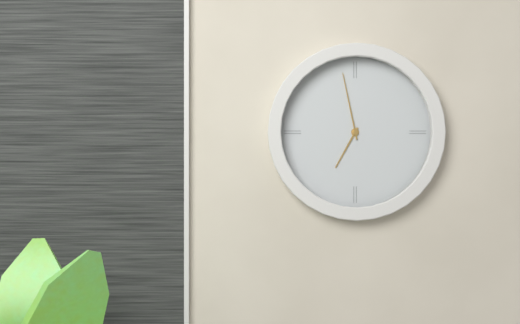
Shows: 6 h 58 min
